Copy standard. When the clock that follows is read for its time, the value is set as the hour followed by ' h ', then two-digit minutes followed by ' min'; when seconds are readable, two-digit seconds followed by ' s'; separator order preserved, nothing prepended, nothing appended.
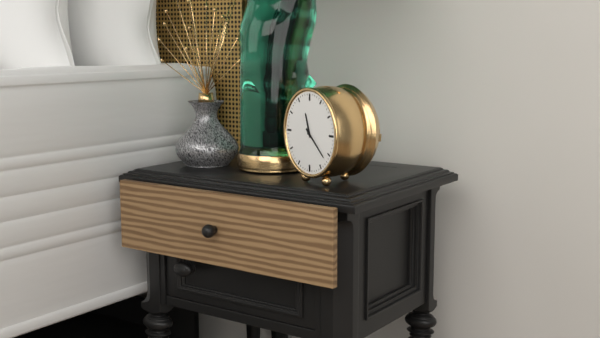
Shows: 11 h 22 min
